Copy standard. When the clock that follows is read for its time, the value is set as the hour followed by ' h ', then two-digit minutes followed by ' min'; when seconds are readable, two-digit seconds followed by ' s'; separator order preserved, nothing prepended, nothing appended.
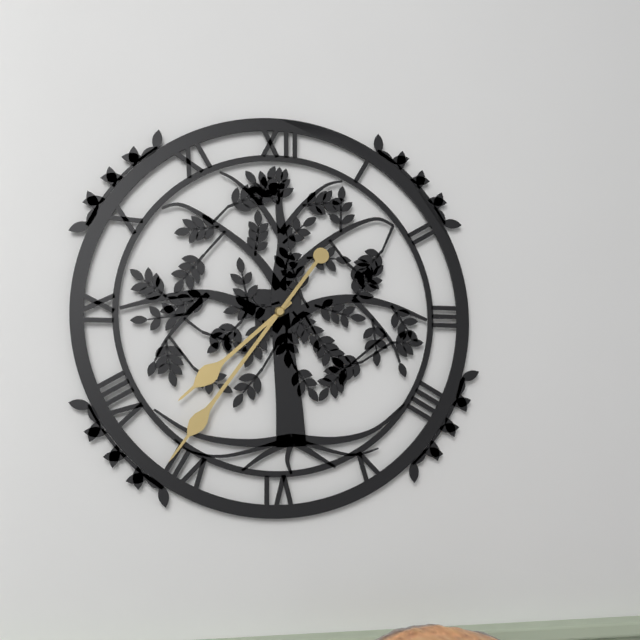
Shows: 7 h 36 min
